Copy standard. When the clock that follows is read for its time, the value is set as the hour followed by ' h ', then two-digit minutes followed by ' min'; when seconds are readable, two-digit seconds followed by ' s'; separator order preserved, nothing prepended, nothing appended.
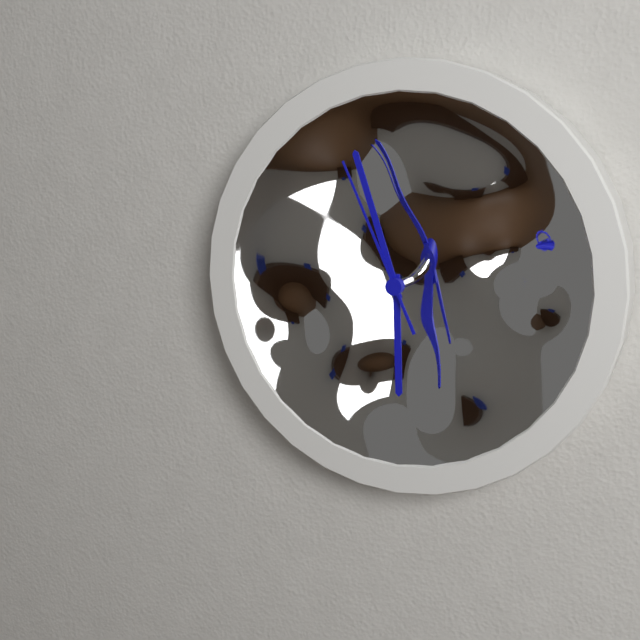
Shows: 5 h 57 min 56 s
